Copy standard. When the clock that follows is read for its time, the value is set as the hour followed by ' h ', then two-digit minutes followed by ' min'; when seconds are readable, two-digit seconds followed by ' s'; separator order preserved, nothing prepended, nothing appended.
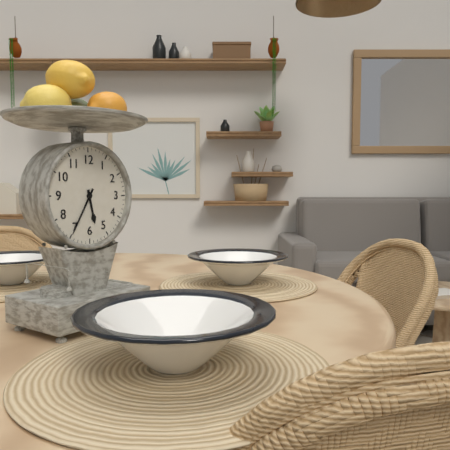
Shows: 5 h 35 min
